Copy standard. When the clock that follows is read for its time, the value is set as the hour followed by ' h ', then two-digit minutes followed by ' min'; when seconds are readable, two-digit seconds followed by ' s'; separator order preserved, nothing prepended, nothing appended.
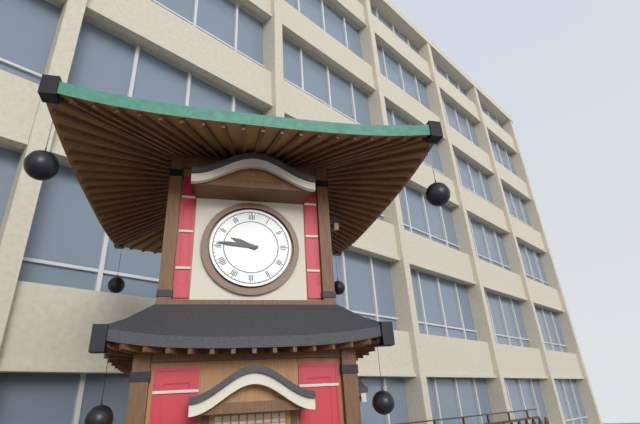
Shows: 9 h 46 min
